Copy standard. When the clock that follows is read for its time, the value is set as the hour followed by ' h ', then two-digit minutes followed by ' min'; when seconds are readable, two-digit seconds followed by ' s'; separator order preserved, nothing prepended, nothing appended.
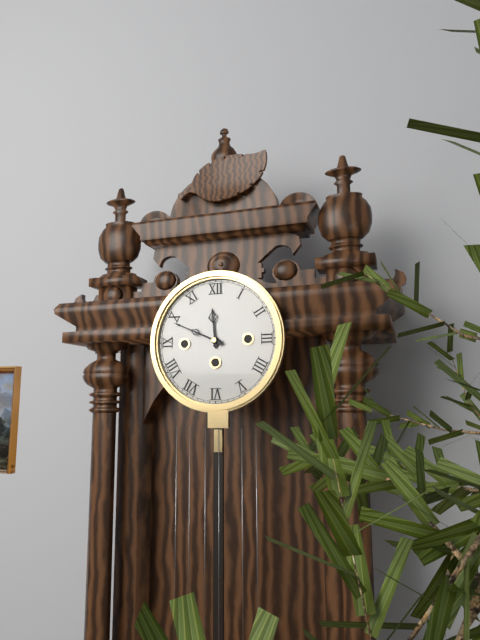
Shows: 11 h 49 min
